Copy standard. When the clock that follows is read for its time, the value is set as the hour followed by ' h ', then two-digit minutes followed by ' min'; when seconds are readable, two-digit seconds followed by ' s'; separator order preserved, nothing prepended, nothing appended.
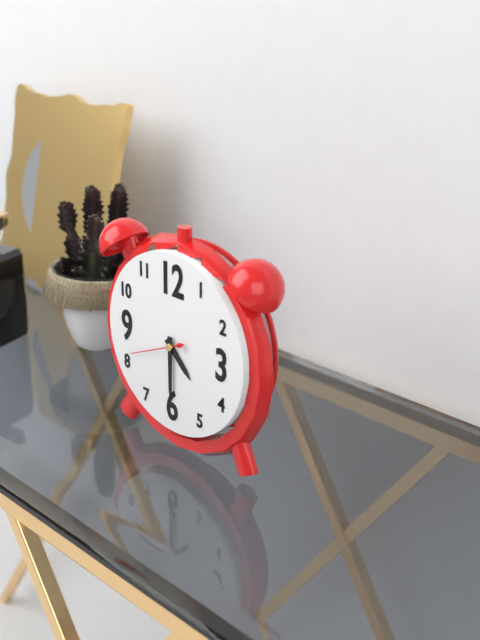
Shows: 4 h 30 min 41 s
